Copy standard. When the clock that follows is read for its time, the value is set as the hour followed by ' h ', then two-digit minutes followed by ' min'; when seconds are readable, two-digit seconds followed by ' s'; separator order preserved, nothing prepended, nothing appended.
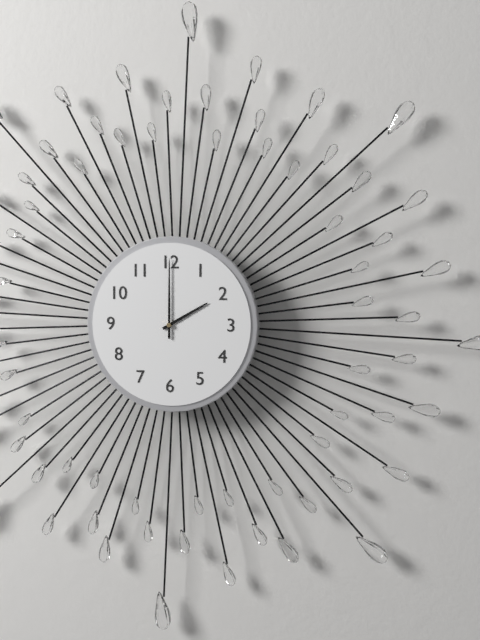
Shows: 2 h 00 min
